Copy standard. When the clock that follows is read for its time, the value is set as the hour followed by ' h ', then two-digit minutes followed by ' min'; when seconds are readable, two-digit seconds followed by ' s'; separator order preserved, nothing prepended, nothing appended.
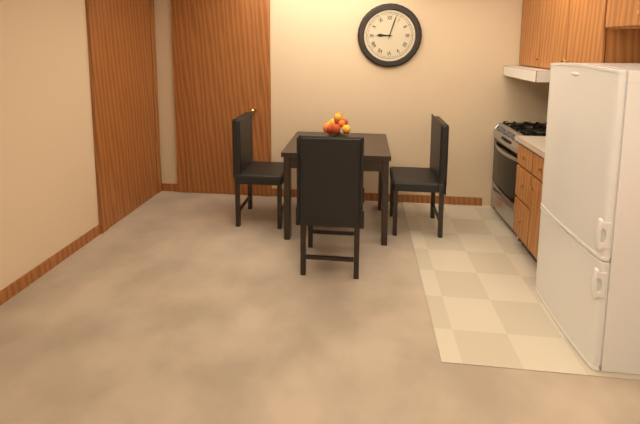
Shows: 9 h 03 min
